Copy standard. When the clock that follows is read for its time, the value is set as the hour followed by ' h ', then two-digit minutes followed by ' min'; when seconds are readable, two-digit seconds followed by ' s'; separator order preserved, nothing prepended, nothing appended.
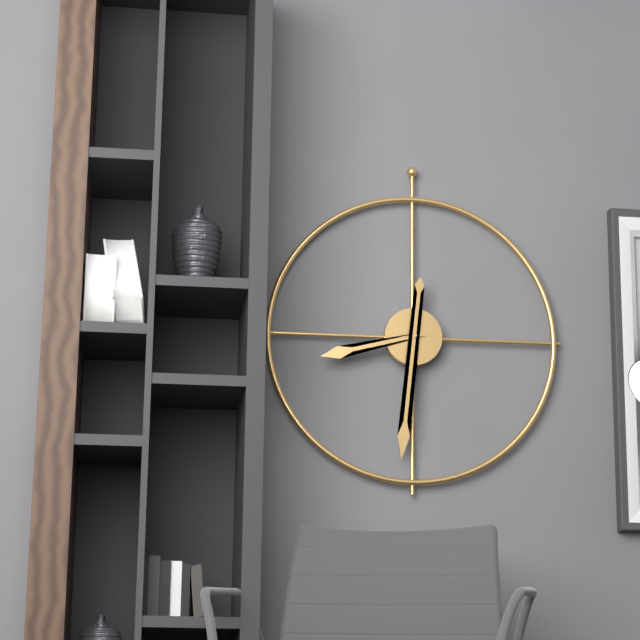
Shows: 8 h 31 min
